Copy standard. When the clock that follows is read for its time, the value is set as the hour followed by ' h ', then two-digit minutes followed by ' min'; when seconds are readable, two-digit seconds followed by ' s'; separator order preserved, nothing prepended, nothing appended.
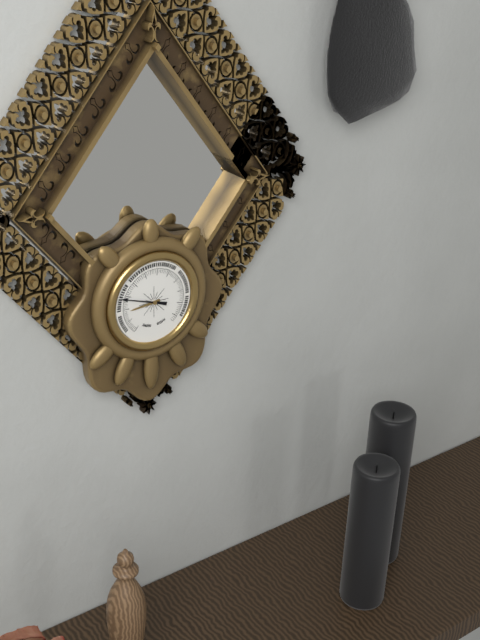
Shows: 8 h 48 min
